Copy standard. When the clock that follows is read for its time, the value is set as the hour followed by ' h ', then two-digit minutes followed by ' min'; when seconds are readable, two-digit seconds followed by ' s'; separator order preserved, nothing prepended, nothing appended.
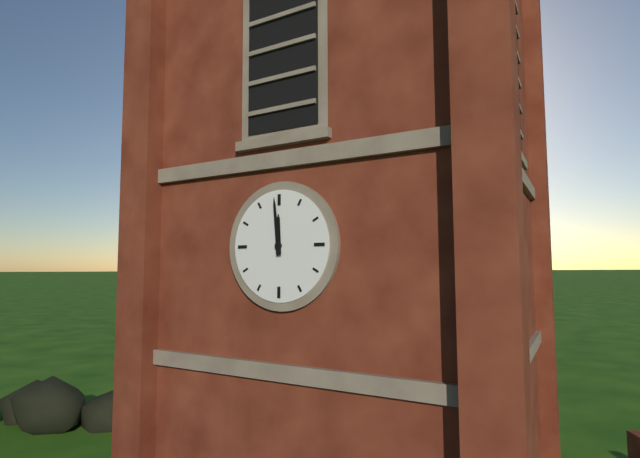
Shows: 11 h 59 min
